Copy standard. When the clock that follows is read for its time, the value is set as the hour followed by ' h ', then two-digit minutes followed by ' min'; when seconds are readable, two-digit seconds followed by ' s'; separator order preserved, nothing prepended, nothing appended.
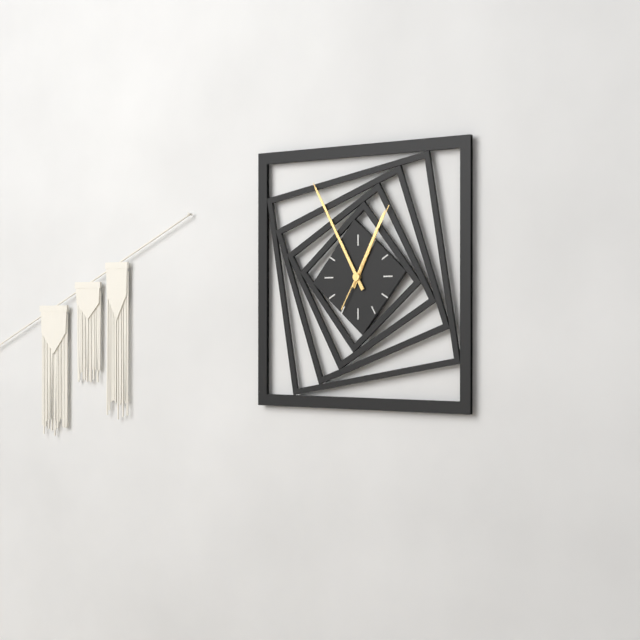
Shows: 12 h 55 min 05 s
